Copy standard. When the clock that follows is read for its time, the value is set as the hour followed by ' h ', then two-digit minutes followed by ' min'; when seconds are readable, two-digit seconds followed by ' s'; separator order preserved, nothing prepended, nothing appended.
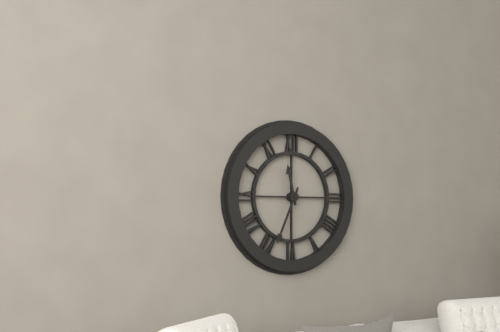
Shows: 11 h 34 min
